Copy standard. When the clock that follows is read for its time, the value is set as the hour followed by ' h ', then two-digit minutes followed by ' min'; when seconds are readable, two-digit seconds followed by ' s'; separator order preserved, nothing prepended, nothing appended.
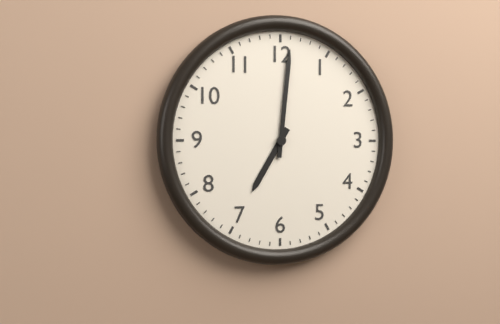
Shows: 7 h 01 min
